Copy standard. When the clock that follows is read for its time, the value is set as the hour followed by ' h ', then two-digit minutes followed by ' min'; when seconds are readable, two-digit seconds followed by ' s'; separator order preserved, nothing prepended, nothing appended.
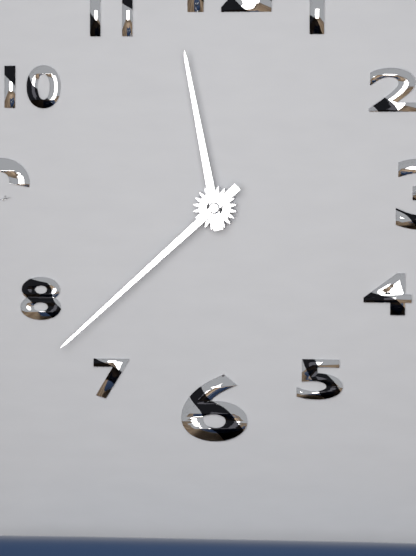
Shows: 11 h 38 min
